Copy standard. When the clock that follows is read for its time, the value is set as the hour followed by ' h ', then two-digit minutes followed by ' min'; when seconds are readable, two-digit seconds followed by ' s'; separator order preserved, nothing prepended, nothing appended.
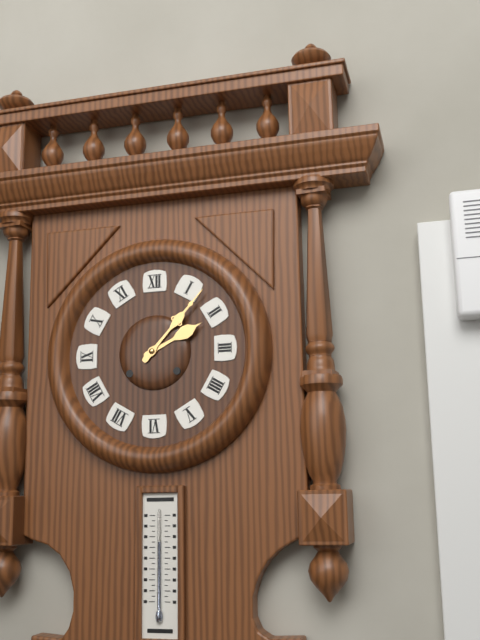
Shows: 2 h 07 min
